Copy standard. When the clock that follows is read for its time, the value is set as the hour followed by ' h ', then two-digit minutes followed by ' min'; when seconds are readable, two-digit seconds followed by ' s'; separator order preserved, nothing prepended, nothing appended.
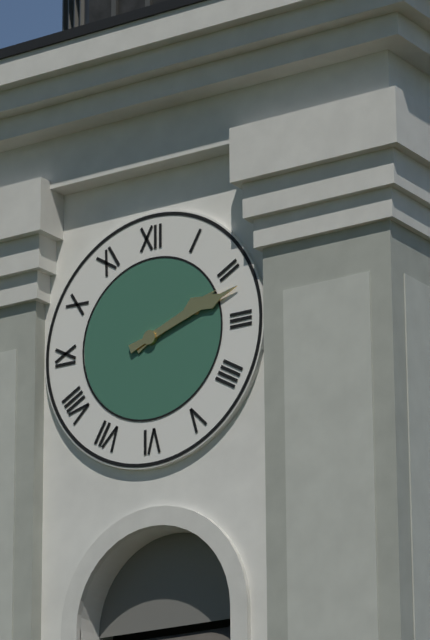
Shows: 2 h 12 min
